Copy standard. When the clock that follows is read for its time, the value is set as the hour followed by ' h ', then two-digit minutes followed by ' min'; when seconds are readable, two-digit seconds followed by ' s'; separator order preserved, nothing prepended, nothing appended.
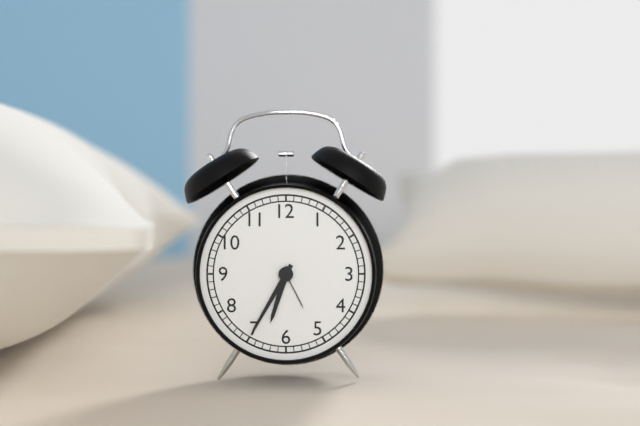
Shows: 6 h 35 min
